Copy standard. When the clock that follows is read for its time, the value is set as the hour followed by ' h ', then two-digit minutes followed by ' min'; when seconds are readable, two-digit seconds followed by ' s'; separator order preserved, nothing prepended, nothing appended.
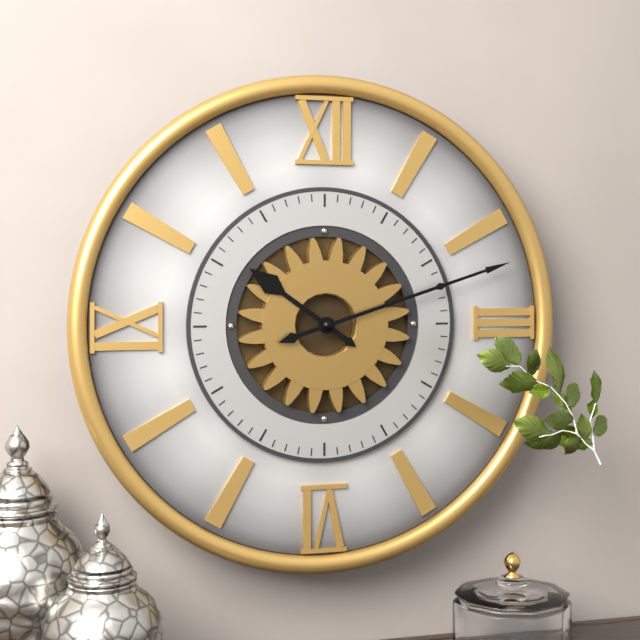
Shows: 10 h 12 min
